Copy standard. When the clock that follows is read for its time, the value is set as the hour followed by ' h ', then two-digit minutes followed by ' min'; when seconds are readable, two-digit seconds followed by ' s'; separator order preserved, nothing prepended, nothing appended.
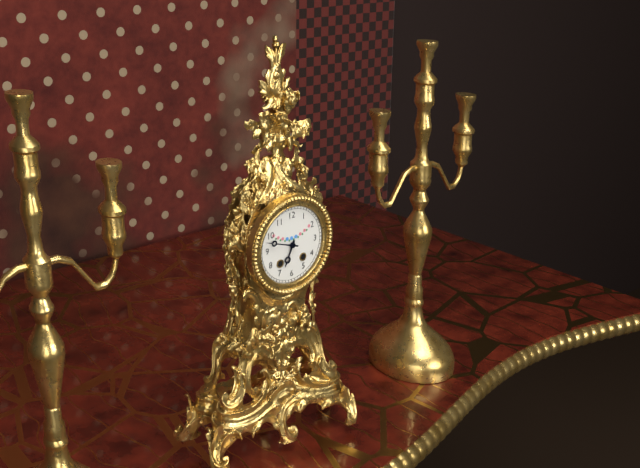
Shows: 6 h 48 min
